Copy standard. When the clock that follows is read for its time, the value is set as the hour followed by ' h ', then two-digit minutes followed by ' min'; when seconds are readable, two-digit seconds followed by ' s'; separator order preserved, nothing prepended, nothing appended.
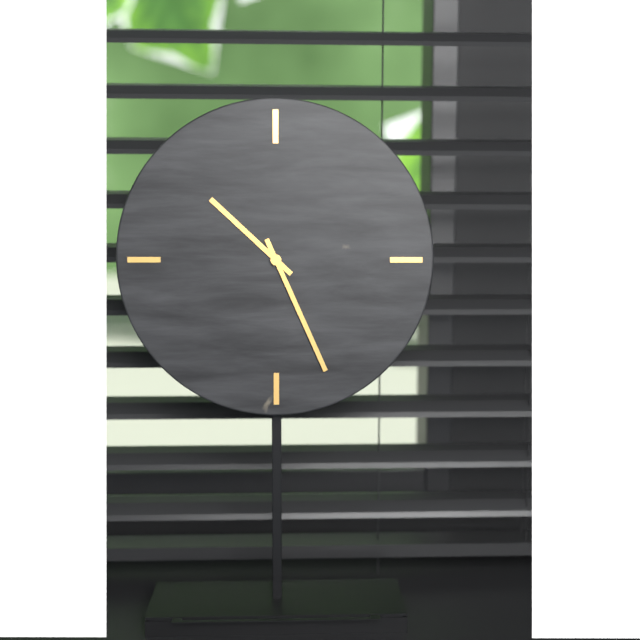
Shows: 10 h 26 min
